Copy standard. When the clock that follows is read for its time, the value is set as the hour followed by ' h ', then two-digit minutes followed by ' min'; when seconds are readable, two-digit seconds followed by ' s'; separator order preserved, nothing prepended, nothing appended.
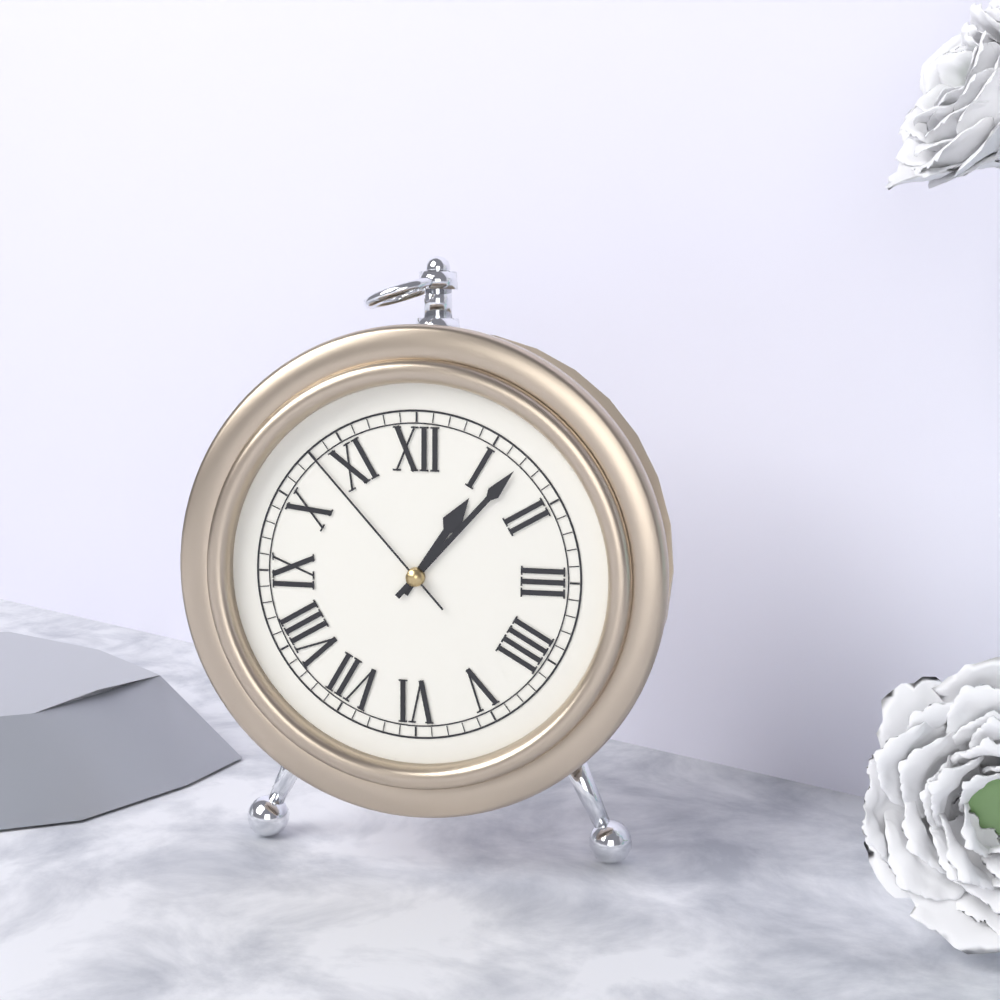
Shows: 1 h 07 min 53 s
